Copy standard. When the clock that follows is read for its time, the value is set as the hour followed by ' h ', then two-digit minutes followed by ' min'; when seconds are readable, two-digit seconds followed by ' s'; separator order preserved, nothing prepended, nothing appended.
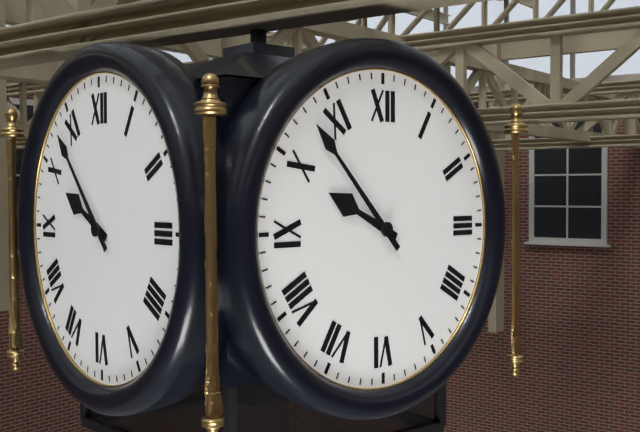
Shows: 9 h 53 min
